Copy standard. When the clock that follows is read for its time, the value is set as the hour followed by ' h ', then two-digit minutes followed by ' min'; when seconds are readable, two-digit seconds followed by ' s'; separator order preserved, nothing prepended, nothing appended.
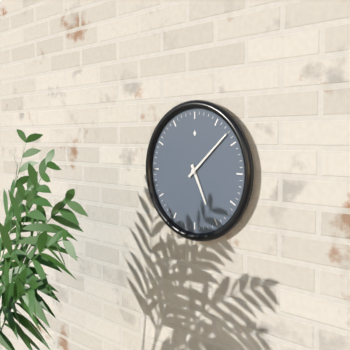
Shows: 5 h 08 min
